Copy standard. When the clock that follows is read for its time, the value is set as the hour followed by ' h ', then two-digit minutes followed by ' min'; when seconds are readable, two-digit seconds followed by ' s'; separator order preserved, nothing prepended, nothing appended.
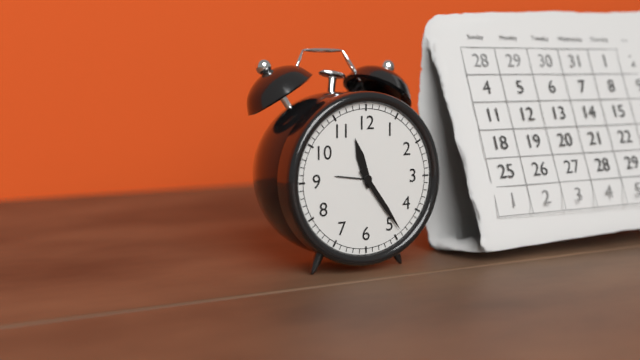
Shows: 11 h 24 min
